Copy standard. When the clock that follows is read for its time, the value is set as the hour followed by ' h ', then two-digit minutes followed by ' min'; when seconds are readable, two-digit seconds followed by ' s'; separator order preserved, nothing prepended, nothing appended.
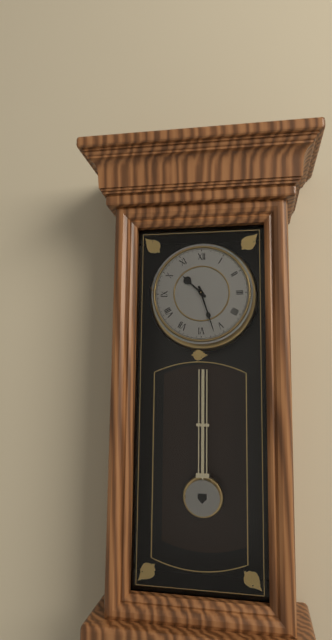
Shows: 10 h 27 min
